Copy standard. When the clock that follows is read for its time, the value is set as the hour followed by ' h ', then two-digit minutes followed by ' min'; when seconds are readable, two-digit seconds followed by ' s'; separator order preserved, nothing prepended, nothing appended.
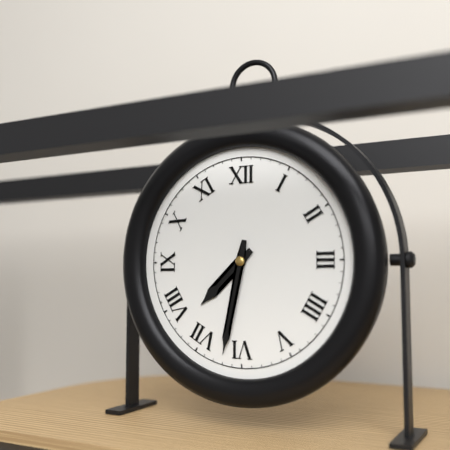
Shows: 7 h 32 min
